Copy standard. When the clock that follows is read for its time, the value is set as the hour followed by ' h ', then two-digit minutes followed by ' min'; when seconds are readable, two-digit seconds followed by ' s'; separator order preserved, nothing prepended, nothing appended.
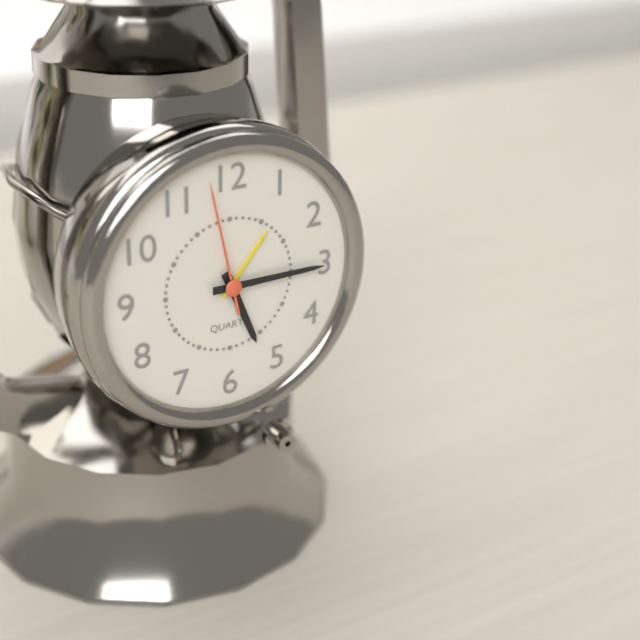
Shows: 5 h 15 min 58 s
